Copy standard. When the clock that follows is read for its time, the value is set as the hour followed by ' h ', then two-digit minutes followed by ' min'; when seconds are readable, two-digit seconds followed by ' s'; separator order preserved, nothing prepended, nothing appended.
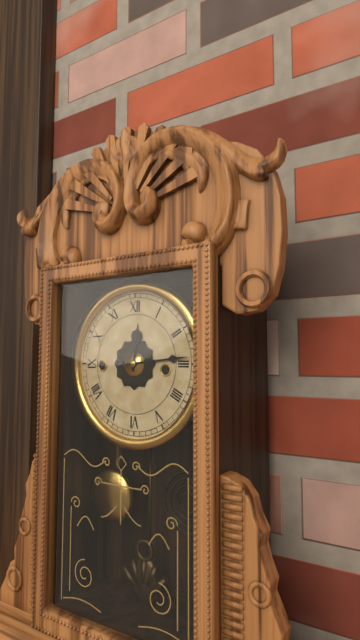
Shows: 12 h 14 min
